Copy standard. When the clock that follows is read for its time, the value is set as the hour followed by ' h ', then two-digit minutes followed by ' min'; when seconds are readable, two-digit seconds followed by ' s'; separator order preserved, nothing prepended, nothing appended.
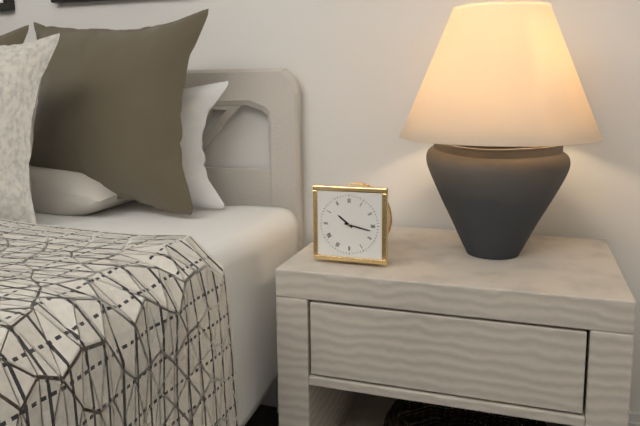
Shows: 10 h 17 min
